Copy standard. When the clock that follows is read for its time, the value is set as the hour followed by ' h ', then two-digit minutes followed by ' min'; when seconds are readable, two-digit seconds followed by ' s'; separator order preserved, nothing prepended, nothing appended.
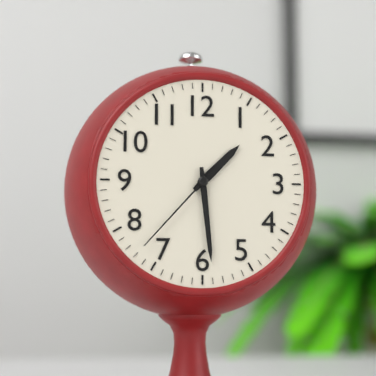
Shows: 1 h 29 min 37 s
